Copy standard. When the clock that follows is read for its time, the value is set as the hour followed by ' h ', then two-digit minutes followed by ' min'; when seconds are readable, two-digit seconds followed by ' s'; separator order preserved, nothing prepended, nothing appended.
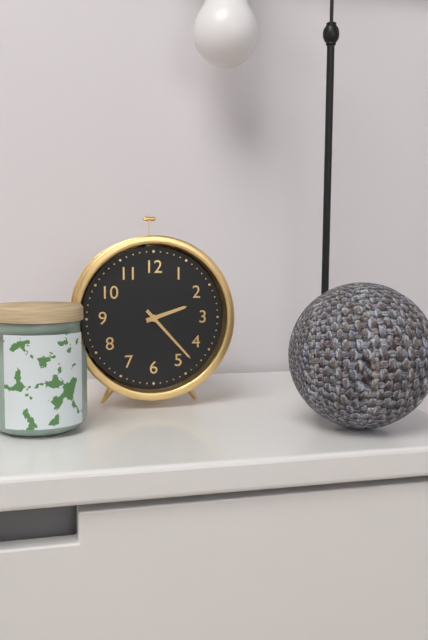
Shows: 2 h 23 min
